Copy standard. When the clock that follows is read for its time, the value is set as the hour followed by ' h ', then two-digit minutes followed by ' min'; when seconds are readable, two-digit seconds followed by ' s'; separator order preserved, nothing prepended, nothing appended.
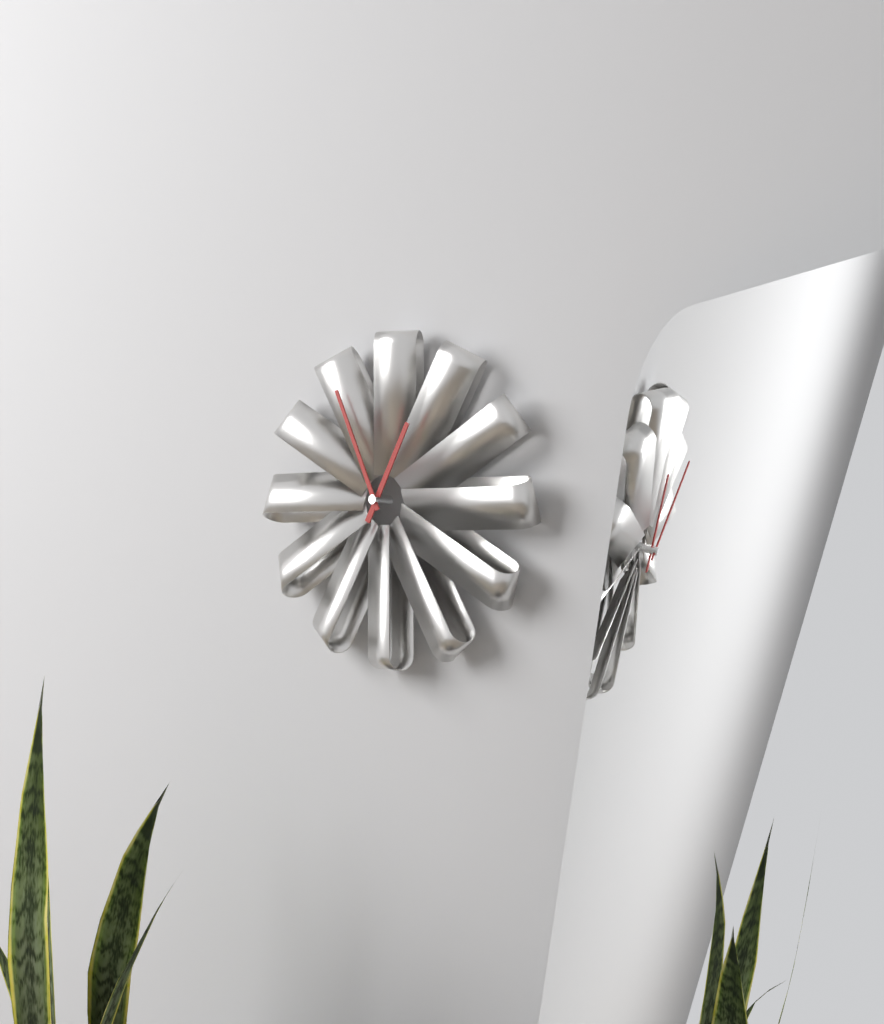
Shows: 12 h 56 min
